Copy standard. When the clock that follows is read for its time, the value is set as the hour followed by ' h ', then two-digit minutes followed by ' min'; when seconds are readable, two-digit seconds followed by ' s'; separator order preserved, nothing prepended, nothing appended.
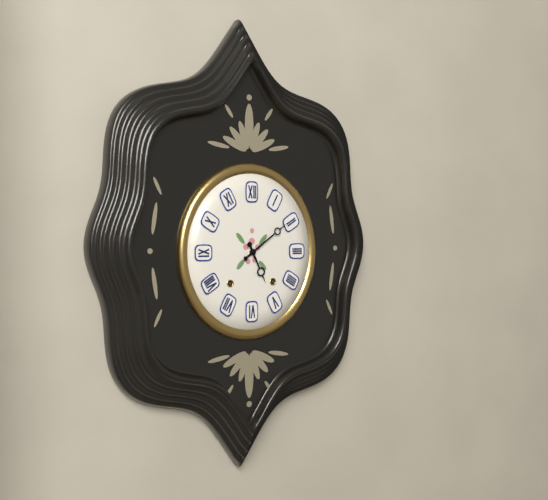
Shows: 5 h 09 min
